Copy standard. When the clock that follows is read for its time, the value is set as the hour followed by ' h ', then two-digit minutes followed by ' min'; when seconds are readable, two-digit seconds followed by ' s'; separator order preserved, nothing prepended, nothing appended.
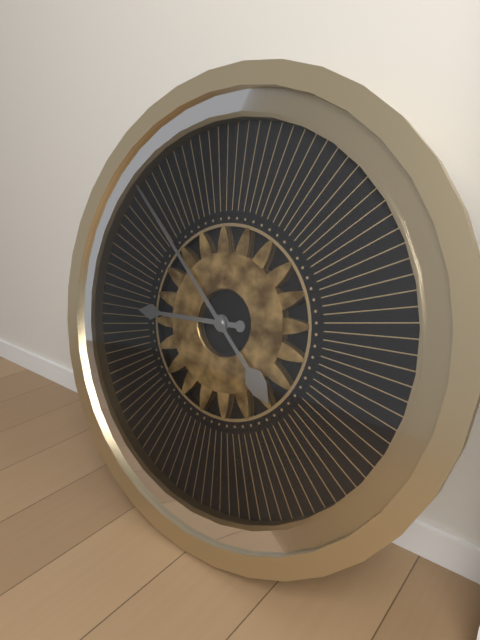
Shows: 8 h 52 min
